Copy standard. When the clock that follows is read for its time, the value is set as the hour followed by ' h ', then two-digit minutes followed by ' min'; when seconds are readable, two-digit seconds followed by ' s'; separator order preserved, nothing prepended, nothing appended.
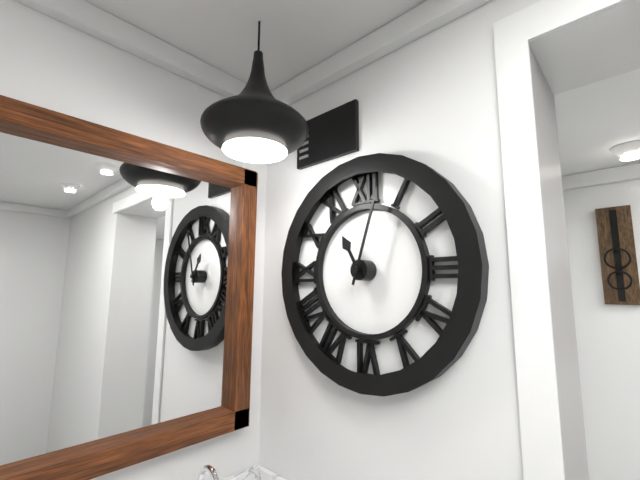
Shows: 11 h 03 min
